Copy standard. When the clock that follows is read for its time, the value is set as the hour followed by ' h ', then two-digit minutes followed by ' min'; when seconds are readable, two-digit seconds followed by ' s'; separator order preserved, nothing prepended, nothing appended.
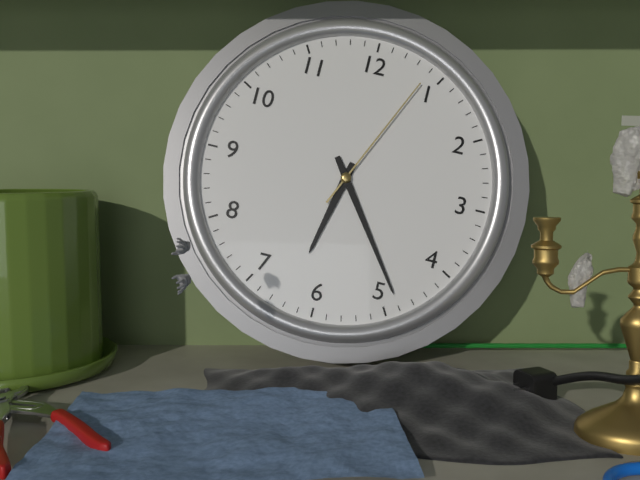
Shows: 6 h 24 min 04 s
